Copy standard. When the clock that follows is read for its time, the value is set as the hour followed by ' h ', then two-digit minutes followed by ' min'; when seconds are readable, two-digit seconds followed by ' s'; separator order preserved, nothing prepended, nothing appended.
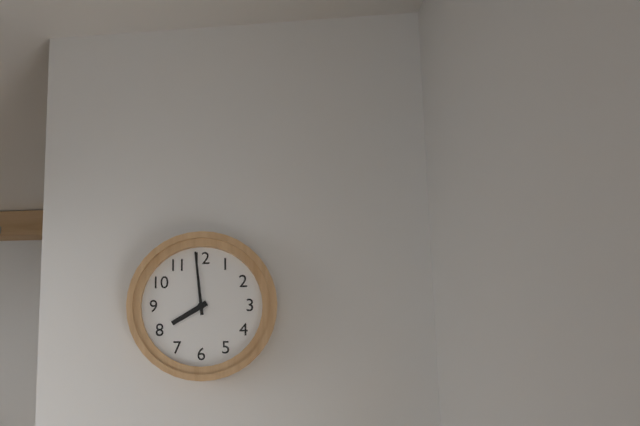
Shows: 7 h 59 min
